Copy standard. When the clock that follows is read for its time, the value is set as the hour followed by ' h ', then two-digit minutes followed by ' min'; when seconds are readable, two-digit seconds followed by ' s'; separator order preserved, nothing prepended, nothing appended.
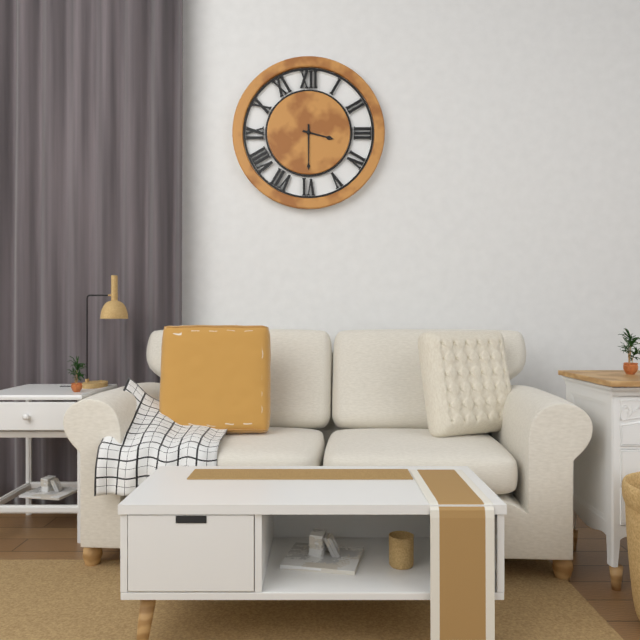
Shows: 3 h 30 min
